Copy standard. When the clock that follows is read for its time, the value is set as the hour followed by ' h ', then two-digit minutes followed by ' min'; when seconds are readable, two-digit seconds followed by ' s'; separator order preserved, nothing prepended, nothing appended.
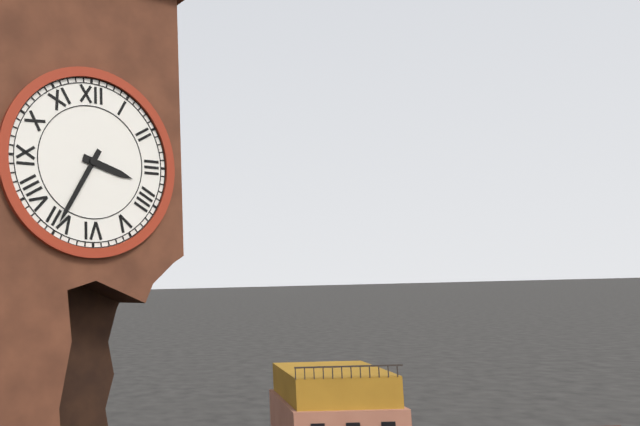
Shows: 3 h 35 min
